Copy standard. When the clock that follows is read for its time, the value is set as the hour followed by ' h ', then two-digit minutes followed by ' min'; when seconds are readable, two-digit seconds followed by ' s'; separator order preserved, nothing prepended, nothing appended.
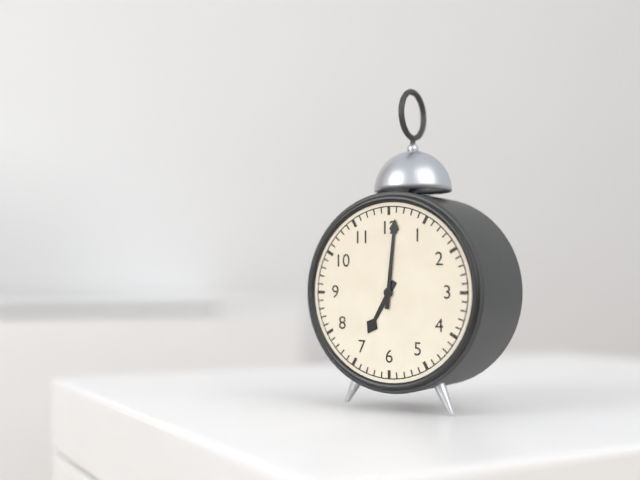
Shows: 7 h 01 min
